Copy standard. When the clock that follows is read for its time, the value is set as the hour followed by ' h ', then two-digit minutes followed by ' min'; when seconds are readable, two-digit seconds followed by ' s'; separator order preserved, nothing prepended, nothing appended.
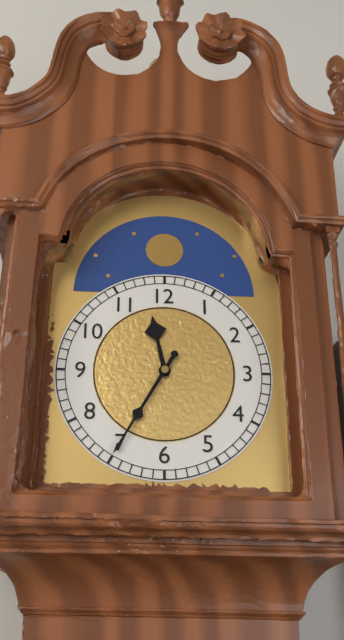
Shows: 11 h 35 min
